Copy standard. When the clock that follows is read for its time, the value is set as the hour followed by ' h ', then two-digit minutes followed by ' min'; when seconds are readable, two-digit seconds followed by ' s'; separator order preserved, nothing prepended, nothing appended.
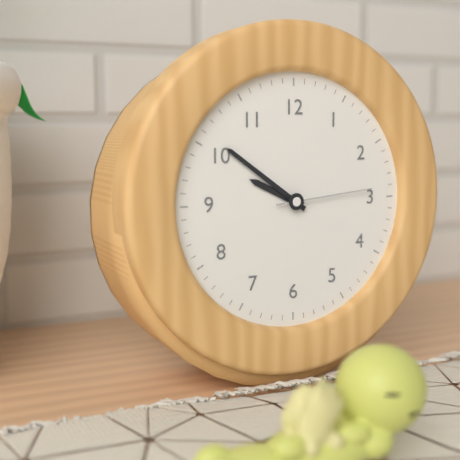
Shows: 9 h 51 min 14 s
